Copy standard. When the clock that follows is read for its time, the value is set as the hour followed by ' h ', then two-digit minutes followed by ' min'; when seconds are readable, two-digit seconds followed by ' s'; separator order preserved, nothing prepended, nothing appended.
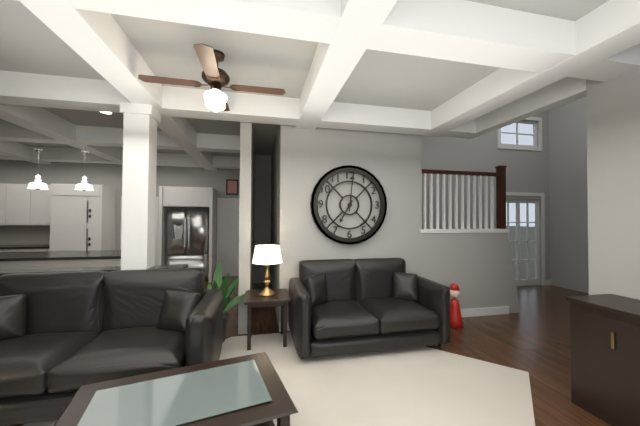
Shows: 7 h 01 min
